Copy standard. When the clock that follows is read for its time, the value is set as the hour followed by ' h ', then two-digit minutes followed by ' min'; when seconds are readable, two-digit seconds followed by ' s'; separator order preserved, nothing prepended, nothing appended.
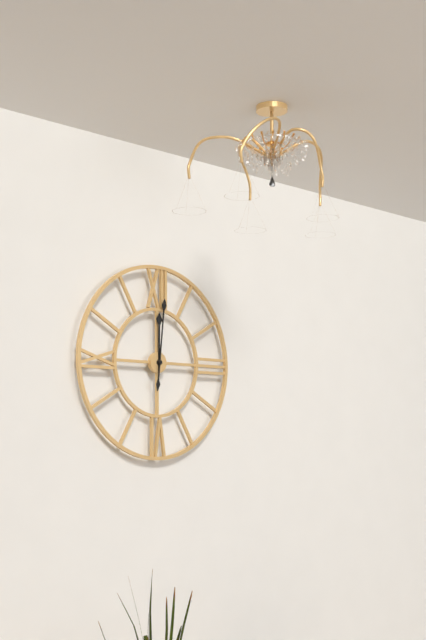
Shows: 12 h 01 min
